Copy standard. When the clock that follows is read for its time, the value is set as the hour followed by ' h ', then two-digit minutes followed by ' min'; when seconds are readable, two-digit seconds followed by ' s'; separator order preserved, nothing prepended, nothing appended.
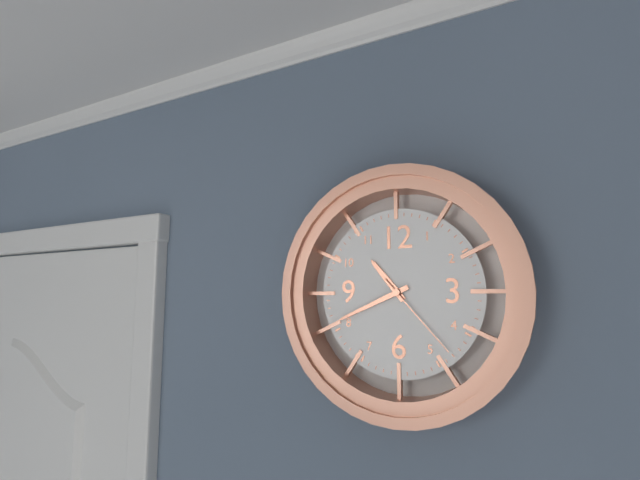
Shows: 10 h 41 min 23 s
